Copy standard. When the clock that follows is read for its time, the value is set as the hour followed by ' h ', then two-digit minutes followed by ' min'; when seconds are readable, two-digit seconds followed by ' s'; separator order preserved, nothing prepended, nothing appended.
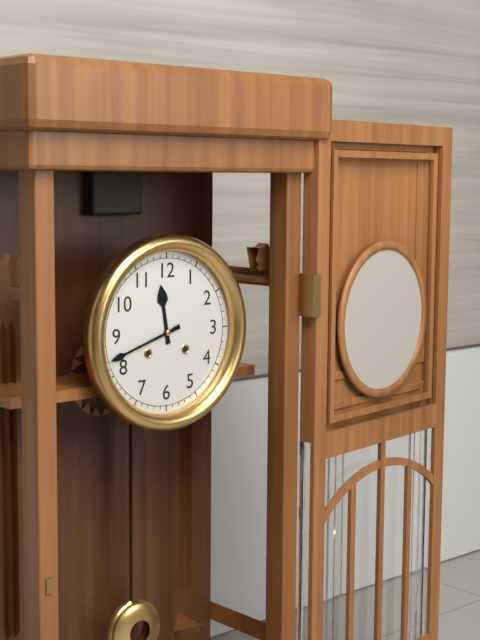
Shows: 11 h 42 min
